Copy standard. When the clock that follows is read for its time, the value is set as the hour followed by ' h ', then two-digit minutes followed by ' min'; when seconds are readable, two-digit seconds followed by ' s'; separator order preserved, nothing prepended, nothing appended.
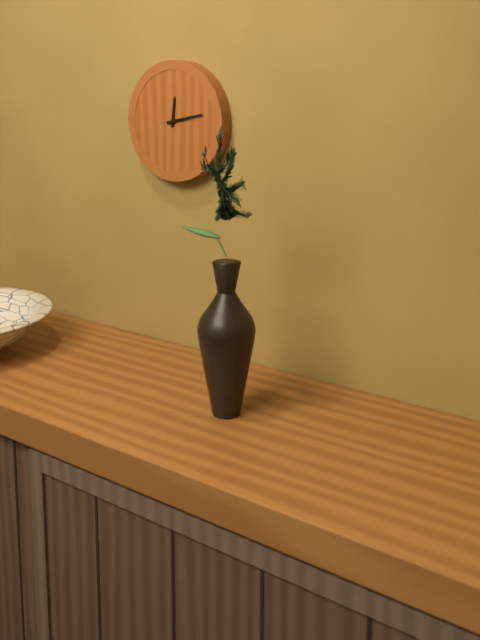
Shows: 12 h 13 min
